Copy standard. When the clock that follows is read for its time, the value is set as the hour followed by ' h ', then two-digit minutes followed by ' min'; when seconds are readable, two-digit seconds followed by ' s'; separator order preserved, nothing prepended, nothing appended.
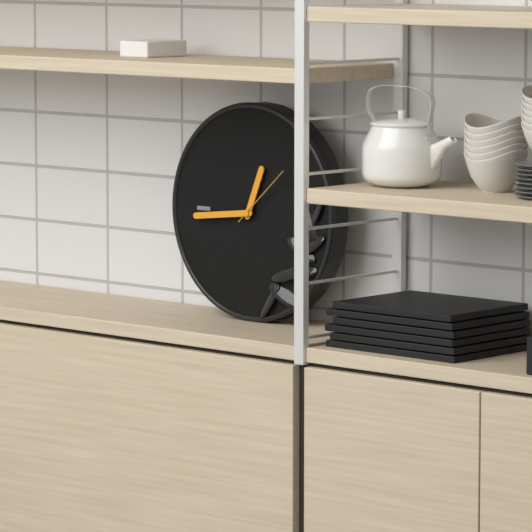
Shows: 12 h 44 min 08 s
